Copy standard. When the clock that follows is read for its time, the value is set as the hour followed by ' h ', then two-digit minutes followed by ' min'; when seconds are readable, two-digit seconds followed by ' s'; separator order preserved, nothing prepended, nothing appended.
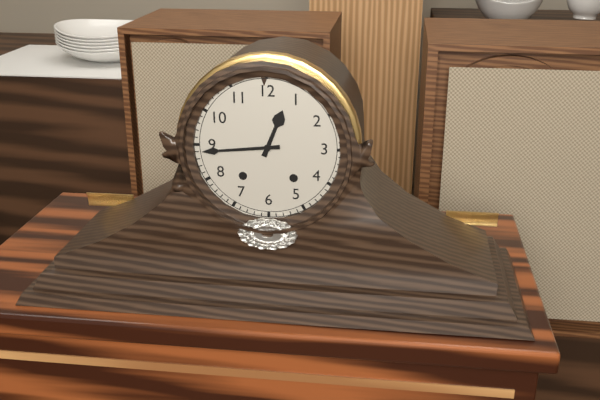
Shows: 12 h 44 min
